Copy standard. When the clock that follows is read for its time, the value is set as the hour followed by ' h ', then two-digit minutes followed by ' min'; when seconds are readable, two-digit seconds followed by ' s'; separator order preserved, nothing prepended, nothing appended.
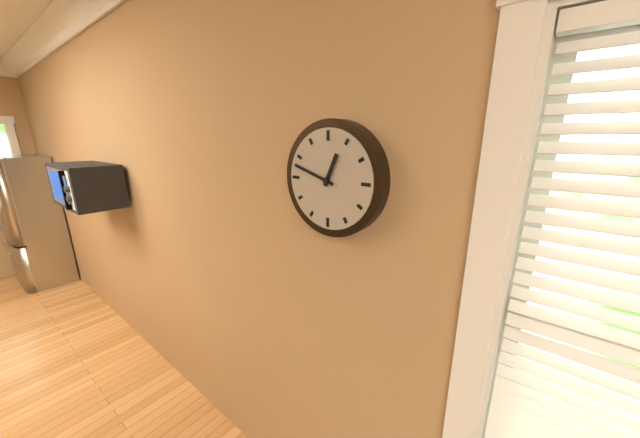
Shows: 12 h 48 min
